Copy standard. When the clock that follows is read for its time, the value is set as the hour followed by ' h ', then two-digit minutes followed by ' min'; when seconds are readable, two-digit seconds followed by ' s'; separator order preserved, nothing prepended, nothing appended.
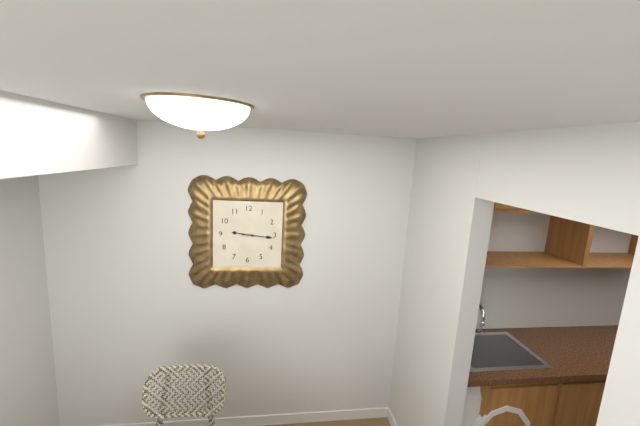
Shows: 9 h 16 min
